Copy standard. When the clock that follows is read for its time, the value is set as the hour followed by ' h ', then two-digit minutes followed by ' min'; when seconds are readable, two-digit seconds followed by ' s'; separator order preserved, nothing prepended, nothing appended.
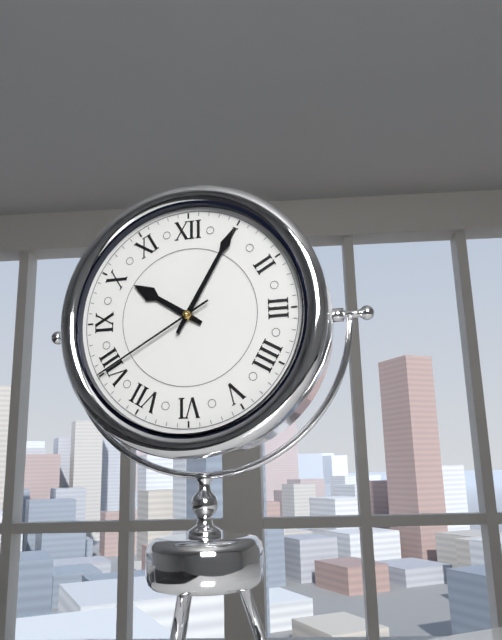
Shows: 10 h 05 min 40 s
